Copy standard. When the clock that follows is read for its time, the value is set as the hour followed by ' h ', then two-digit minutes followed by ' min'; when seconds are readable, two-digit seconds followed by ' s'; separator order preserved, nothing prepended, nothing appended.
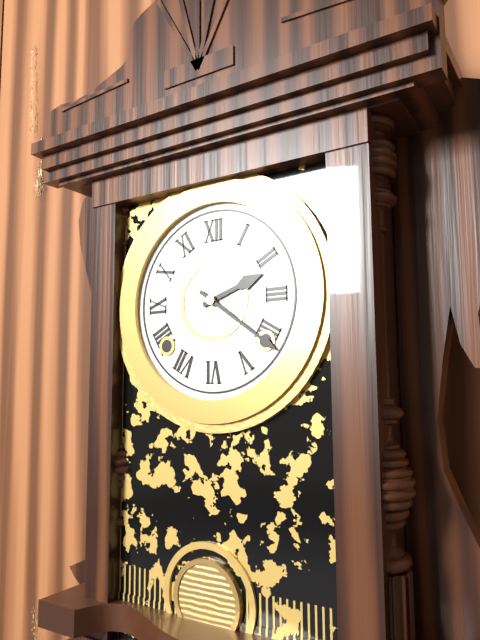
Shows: 2 h 21 min
